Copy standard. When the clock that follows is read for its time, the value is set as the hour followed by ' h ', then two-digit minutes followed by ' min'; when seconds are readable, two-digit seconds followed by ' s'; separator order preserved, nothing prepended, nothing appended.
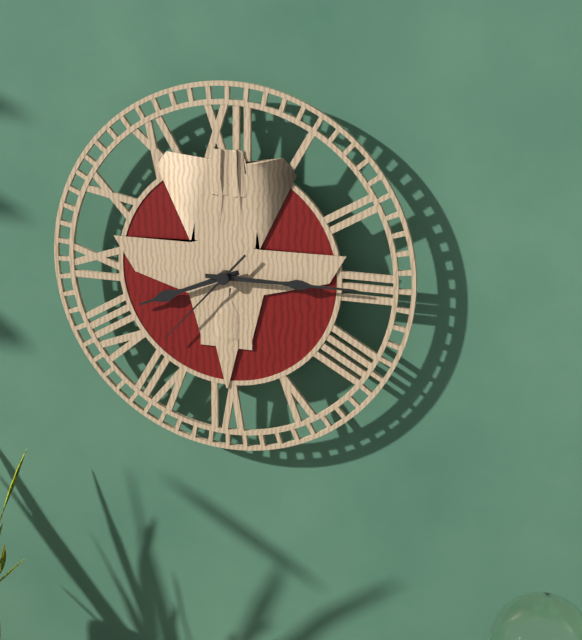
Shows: 8 h 15 min 37 s
